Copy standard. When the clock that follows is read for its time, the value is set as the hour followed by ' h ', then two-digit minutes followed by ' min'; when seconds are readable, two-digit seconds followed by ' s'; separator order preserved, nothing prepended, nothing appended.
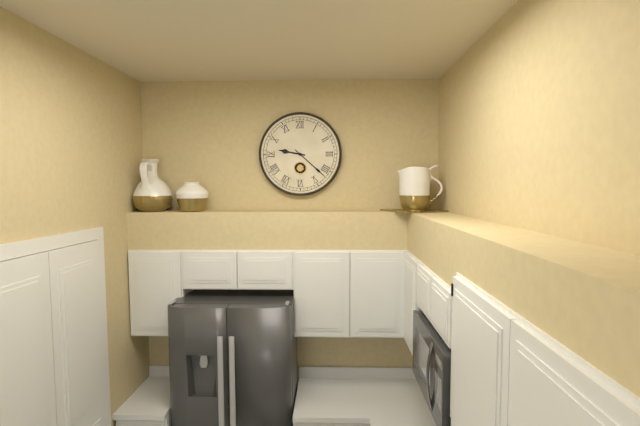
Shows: 9 h 22 min
